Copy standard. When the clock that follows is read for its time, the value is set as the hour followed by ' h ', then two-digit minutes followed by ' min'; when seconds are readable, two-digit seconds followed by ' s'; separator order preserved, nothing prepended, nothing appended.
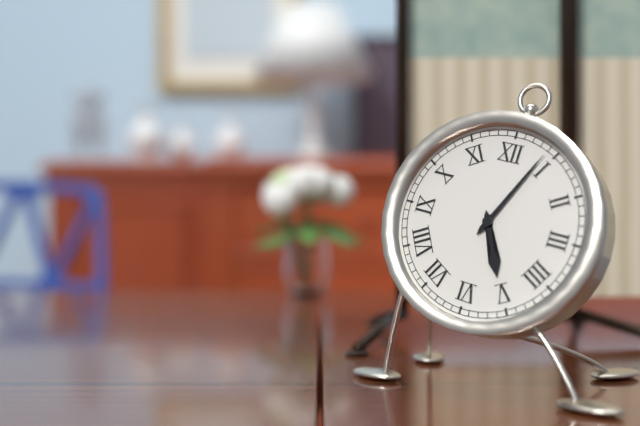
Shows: 5 h 04 min
